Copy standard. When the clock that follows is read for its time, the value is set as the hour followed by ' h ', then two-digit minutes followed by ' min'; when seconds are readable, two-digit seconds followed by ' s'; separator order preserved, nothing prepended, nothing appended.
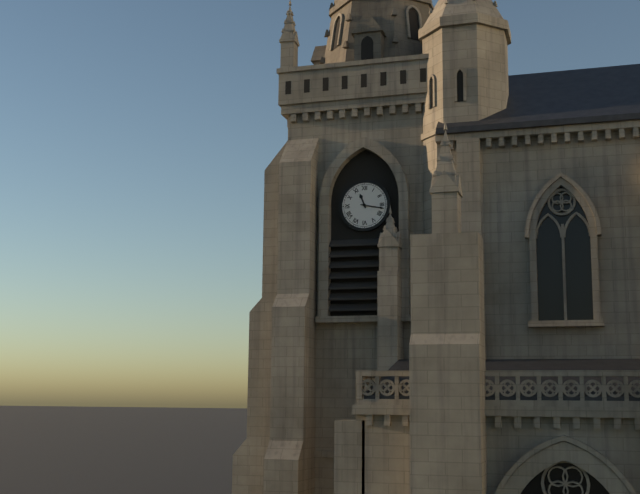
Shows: 11 h 17 min
